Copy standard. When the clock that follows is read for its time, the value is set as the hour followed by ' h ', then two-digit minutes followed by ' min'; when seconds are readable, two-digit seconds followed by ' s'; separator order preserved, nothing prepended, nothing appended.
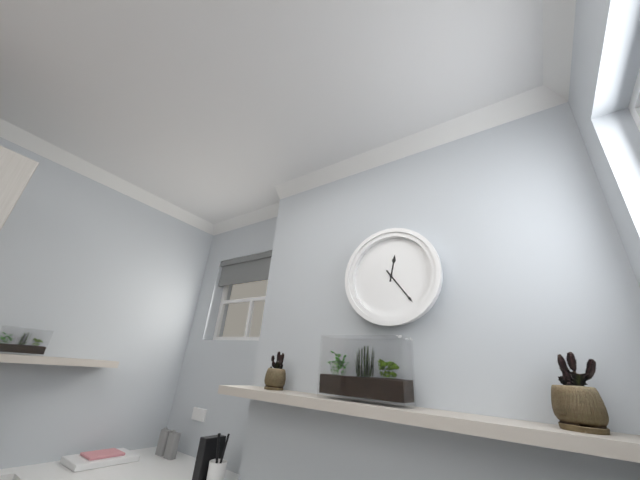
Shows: 12 h 24 min
